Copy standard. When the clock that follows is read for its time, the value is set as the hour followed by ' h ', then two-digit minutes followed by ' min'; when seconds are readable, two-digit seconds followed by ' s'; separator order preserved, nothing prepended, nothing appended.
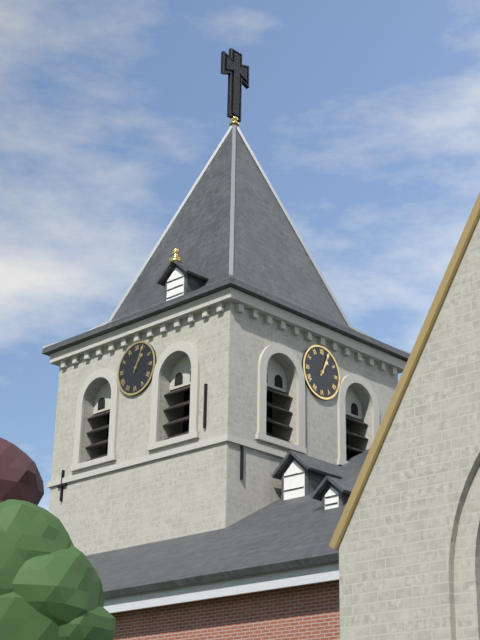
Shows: 1 h 04 min
